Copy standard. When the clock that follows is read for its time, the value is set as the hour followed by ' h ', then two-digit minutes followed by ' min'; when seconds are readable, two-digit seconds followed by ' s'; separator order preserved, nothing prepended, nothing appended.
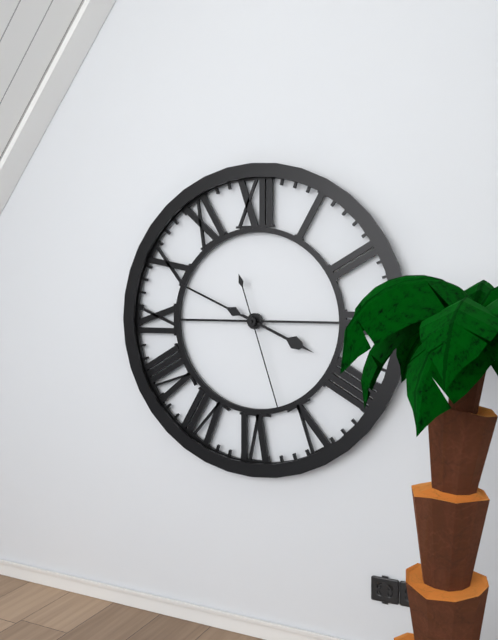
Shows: 3 h 49 min 27 s
